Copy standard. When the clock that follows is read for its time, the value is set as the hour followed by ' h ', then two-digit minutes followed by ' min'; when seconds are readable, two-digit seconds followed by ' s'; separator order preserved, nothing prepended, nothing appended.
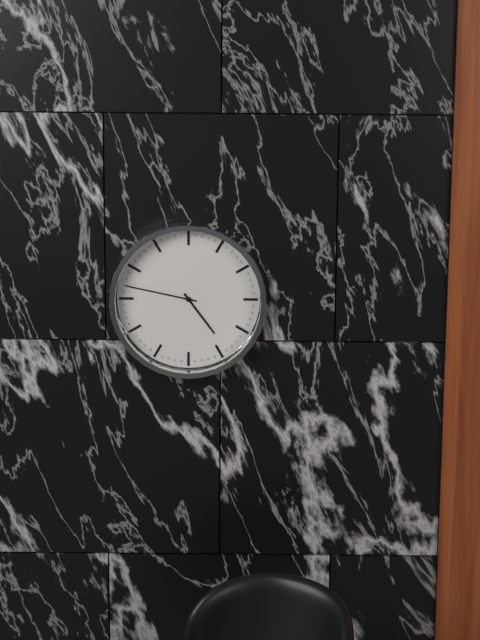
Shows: 4 h 47 min
